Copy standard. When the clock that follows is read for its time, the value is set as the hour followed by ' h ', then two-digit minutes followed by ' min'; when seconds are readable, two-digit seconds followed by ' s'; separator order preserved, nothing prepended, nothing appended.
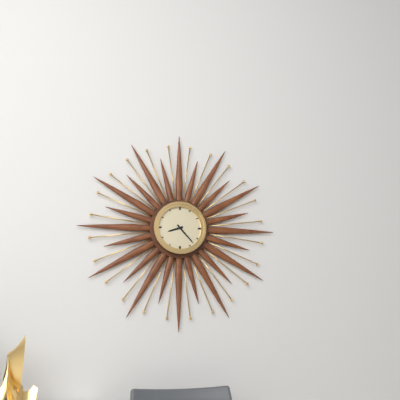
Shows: 8 h 23 min
